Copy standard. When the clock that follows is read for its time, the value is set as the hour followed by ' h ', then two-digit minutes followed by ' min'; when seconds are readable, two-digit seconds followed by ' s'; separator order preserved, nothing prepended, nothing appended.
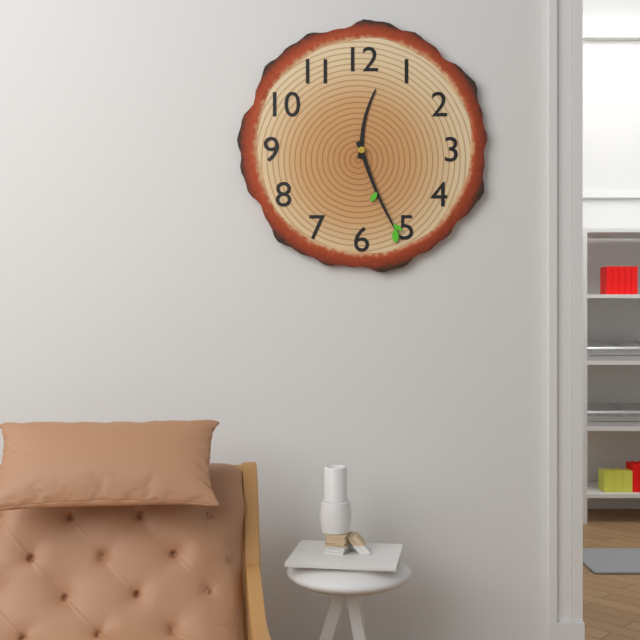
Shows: 12 h 26 min
